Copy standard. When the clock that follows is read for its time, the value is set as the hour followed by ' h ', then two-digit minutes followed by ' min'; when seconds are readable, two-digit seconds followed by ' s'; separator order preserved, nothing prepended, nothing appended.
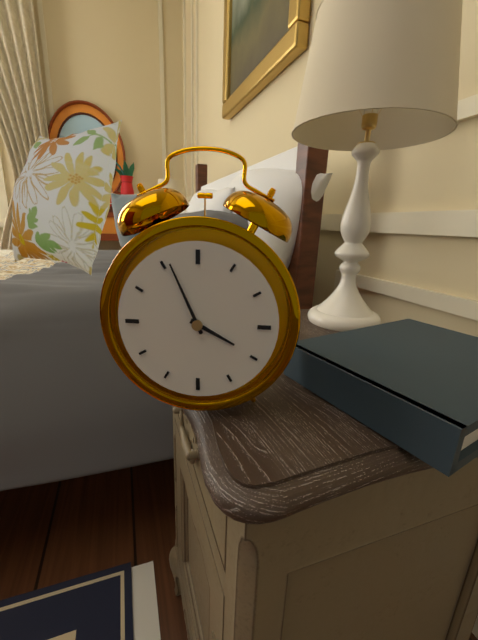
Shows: 3 h 56 min
